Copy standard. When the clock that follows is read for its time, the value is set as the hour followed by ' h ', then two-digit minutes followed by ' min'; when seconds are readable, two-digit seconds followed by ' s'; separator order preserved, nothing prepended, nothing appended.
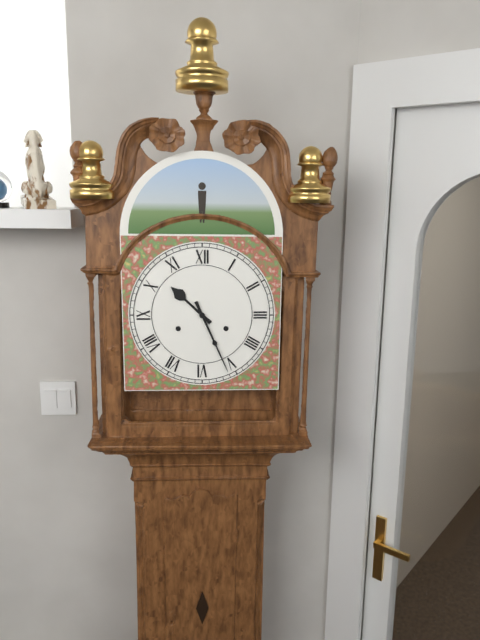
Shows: 10 h 26 min
